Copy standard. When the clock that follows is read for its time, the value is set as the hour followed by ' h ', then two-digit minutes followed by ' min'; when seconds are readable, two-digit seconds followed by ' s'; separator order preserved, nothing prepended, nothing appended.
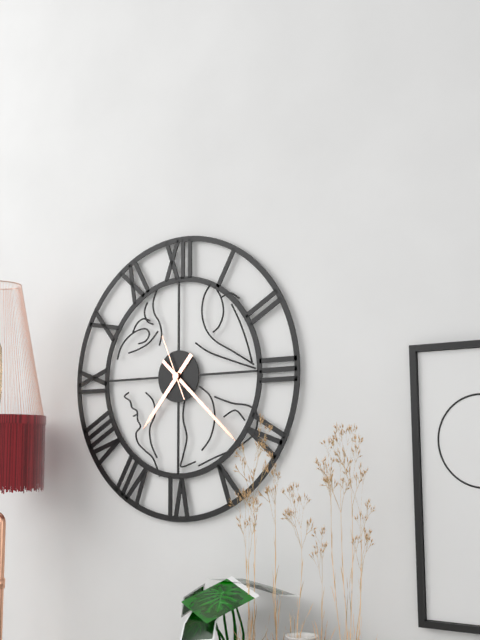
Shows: 7 h 22 min 56 s
